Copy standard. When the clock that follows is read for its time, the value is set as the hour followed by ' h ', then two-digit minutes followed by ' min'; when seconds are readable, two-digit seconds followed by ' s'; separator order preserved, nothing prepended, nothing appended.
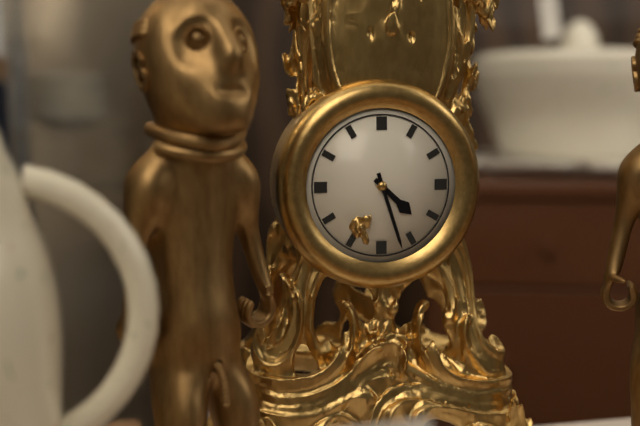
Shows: 4 h 27 min
